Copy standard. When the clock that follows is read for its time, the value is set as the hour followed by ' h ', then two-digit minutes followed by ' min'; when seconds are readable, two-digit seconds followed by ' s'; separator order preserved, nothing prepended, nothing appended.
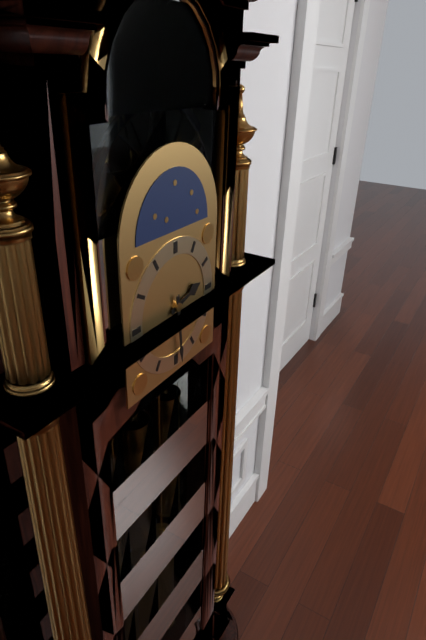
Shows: 2 h 29 min
